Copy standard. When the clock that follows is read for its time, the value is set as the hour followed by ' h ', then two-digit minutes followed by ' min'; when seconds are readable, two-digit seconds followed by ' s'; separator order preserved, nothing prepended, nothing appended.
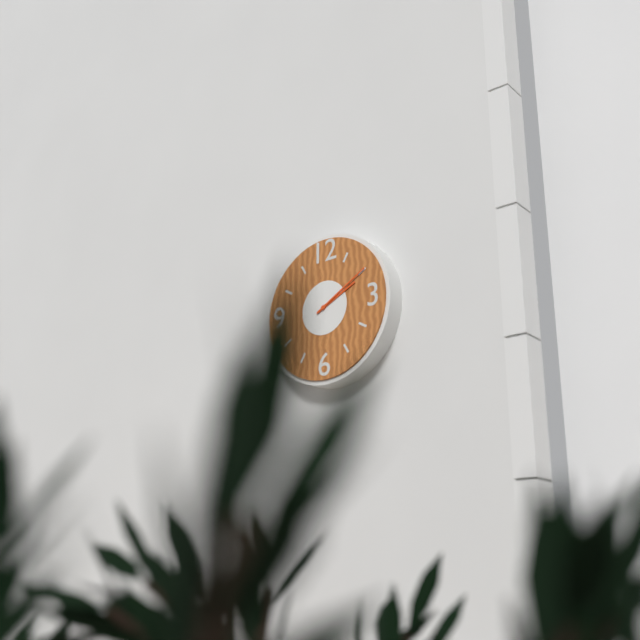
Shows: 2 h 10 min
